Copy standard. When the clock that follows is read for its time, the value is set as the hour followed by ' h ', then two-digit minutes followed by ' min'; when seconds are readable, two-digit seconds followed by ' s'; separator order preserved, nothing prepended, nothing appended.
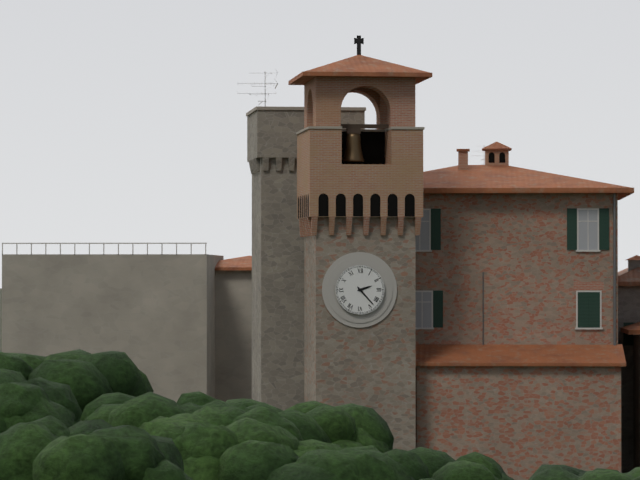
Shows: 2 h 23 min
